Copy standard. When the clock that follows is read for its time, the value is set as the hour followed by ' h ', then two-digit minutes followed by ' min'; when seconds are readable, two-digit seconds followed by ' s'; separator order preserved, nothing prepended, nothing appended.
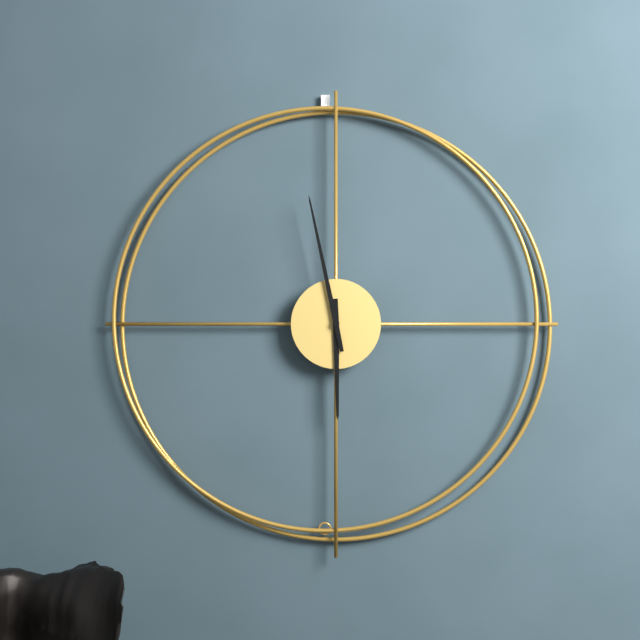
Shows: 5 h 58 min
